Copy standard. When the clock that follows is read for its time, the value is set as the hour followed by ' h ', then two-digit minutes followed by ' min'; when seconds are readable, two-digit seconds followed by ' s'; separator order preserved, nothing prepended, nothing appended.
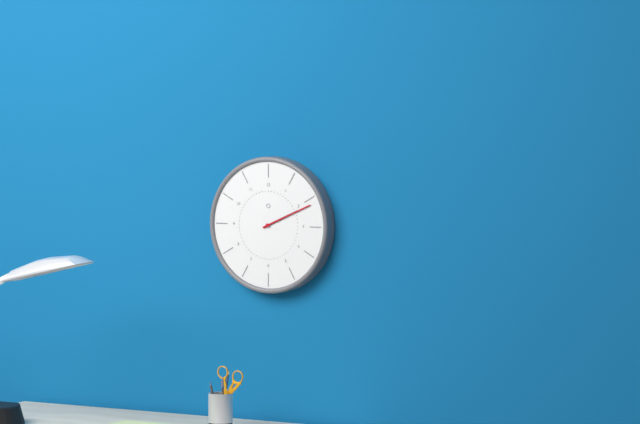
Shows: 2 h 11 min
